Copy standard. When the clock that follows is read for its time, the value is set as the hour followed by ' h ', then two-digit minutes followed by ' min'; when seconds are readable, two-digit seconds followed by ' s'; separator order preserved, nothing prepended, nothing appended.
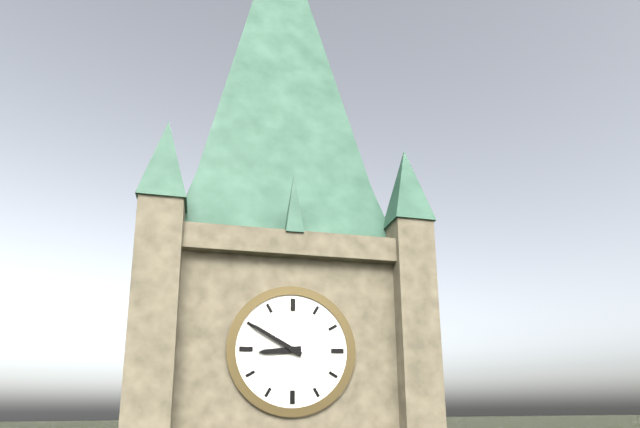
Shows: 8 h 50 min
